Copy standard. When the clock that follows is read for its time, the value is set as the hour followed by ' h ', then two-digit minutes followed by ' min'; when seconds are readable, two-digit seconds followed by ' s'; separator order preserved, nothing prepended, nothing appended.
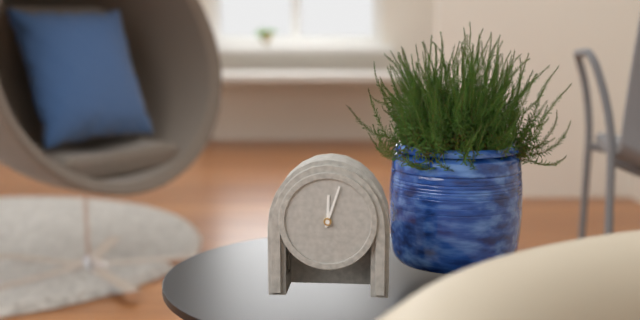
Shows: 12 h 03 min
